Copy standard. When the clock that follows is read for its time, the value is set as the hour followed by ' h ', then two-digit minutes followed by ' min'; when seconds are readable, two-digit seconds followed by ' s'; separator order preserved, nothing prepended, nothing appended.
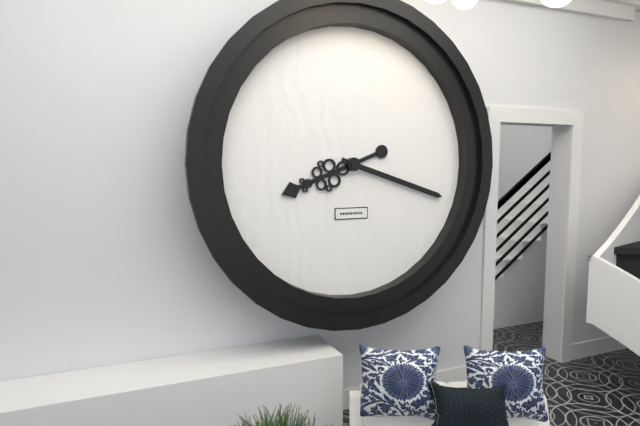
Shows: 8 h 18 min
